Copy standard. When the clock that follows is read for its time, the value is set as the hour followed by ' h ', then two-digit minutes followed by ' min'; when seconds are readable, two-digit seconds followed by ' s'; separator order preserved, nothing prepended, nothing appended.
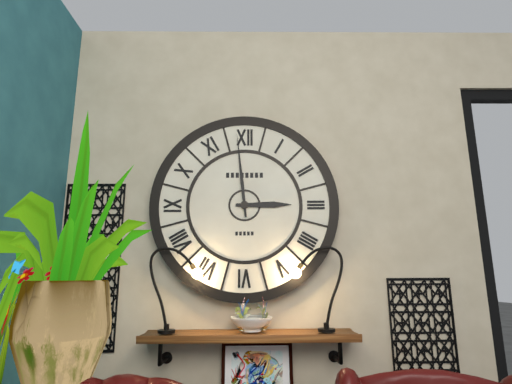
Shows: 2 h 59 min
